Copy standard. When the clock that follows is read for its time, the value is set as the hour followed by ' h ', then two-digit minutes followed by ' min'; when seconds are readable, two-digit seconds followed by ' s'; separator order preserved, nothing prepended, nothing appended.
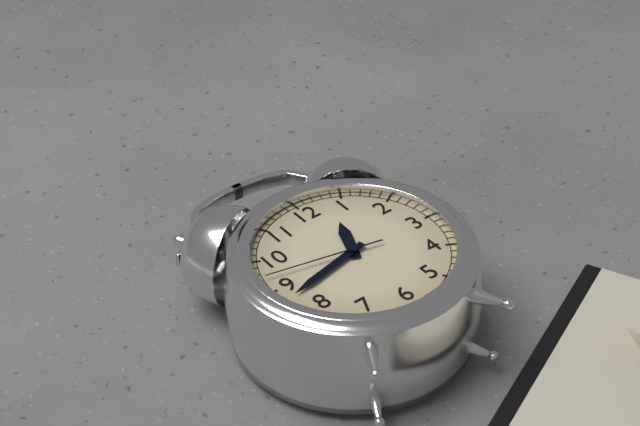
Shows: 12 h 43 min 47 s
